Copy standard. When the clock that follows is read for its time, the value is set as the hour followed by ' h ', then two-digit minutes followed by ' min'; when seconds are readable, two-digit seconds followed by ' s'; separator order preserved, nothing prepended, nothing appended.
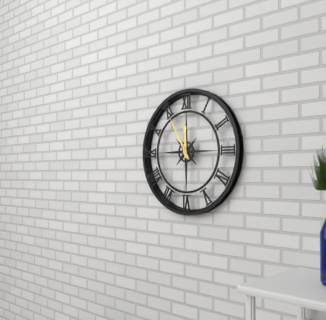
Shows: 11 h 55 min
